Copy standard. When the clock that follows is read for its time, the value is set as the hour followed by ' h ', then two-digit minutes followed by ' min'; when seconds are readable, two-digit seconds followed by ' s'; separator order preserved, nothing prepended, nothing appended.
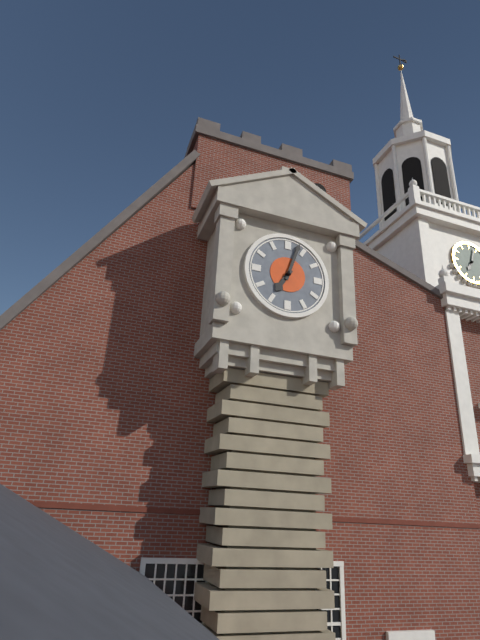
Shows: 7 h 03 min
